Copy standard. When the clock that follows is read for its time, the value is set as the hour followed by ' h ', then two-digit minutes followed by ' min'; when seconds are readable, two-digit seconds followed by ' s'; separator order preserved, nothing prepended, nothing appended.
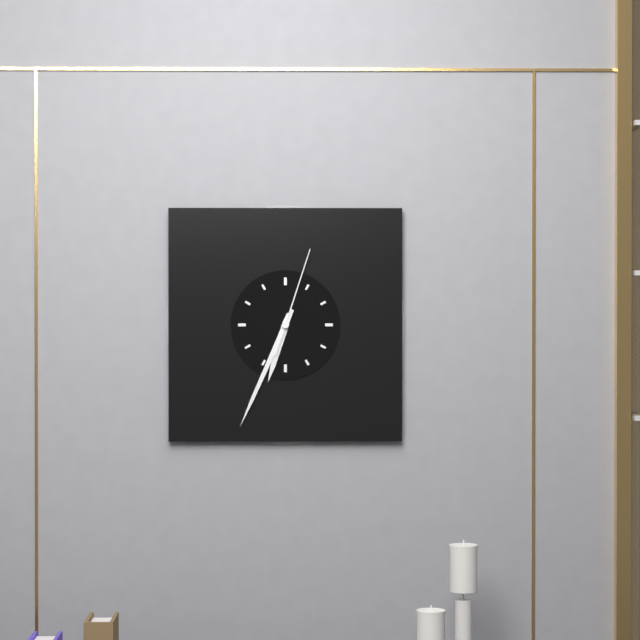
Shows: 6 h 34 min 03 s
